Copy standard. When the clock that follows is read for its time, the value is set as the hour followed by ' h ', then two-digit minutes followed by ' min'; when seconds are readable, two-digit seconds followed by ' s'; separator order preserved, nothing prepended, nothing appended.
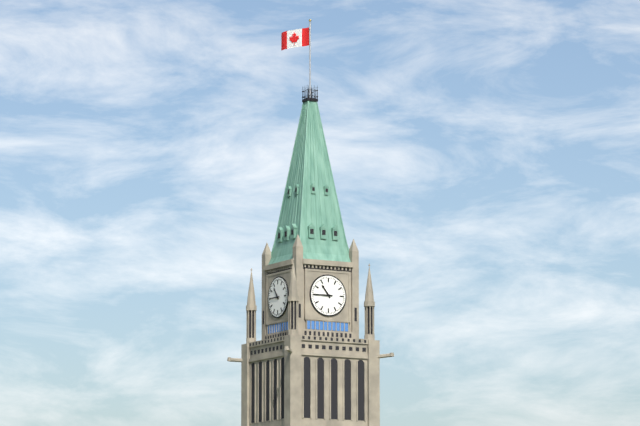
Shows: 10 h 45 min
